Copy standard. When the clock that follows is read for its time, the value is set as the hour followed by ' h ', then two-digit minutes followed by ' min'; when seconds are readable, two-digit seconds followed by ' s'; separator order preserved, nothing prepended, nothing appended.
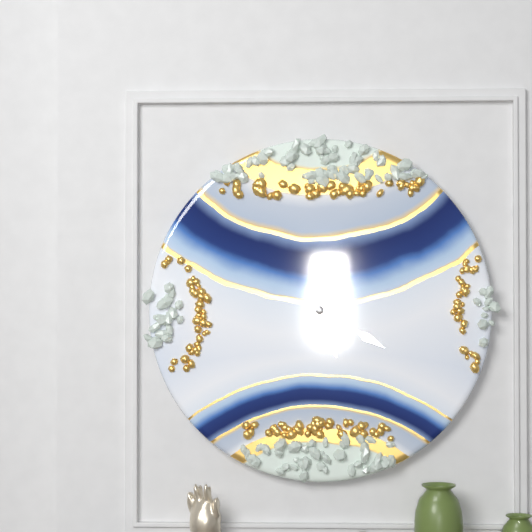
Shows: 5 h 20 min
